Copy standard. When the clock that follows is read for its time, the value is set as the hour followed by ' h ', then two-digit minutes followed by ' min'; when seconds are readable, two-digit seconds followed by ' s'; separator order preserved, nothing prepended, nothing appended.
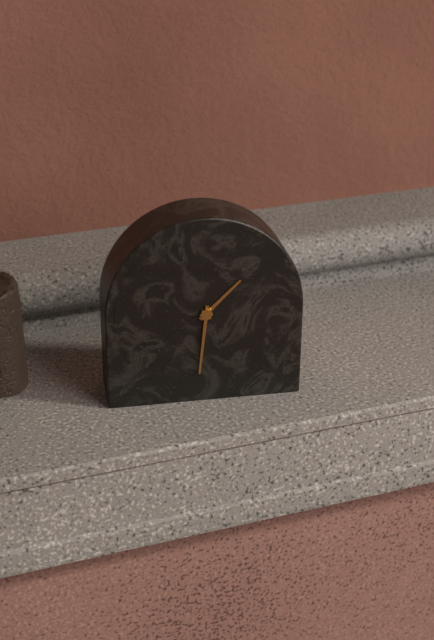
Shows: 1 h 31 min
